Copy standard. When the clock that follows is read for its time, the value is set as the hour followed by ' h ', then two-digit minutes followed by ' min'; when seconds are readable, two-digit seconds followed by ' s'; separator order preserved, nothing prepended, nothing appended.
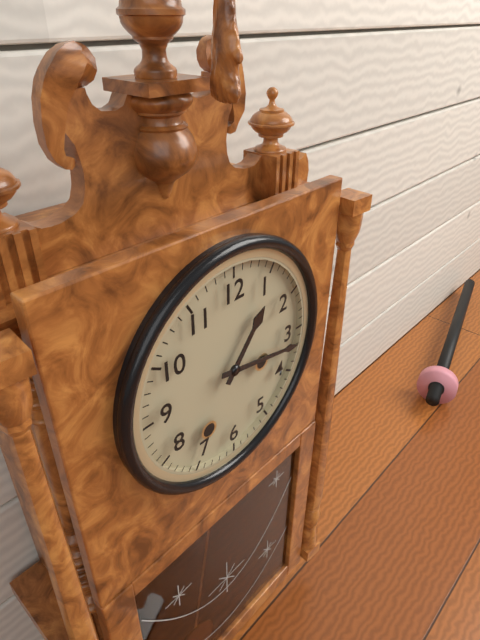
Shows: 1 h 17 min
